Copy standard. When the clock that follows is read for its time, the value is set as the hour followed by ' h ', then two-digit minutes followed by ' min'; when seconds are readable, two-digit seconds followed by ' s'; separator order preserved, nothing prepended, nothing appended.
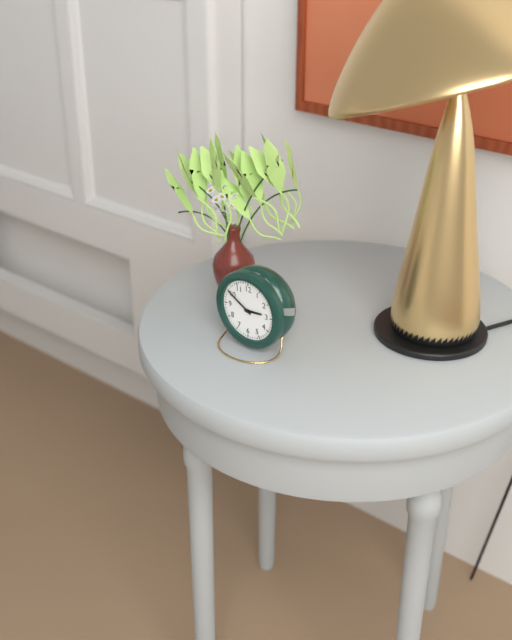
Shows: 2 h 50 min
